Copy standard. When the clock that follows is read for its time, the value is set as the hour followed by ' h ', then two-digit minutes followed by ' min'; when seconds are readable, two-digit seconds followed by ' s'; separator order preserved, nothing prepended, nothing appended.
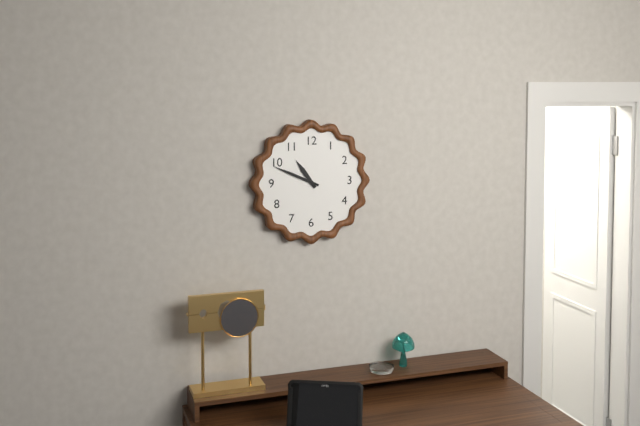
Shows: 10 h 49 min
